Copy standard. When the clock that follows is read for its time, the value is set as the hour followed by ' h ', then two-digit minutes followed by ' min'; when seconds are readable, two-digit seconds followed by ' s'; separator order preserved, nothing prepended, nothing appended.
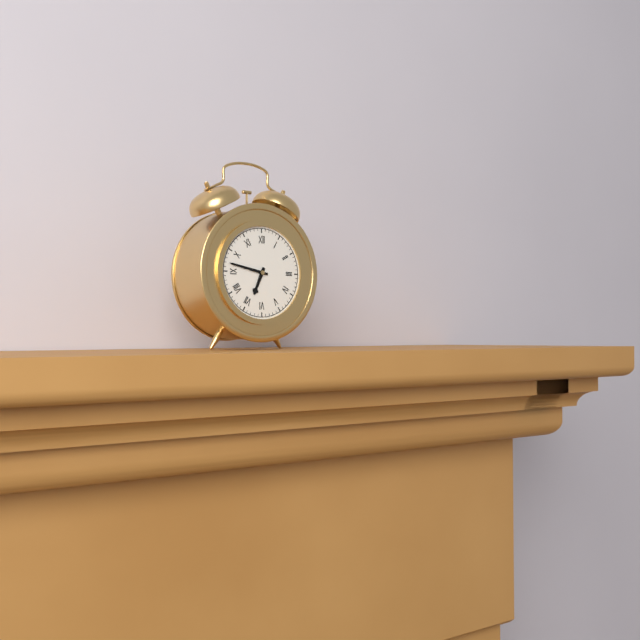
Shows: 6 h 47 min
